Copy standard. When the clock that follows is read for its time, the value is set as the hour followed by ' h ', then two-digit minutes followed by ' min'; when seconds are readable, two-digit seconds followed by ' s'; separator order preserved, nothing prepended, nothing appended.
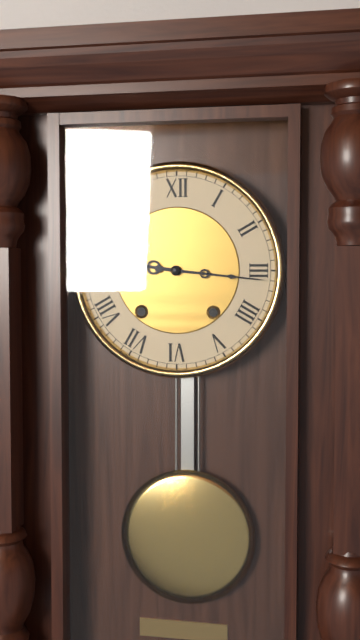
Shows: 9 h 16 min
